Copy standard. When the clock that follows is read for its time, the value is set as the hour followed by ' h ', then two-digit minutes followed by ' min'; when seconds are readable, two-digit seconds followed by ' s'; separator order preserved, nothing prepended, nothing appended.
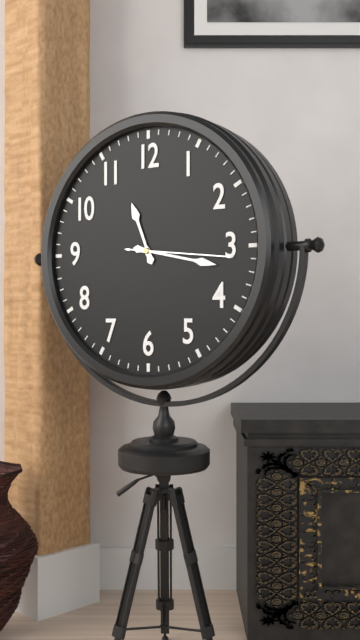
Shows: 11 h 17 min 16 s
